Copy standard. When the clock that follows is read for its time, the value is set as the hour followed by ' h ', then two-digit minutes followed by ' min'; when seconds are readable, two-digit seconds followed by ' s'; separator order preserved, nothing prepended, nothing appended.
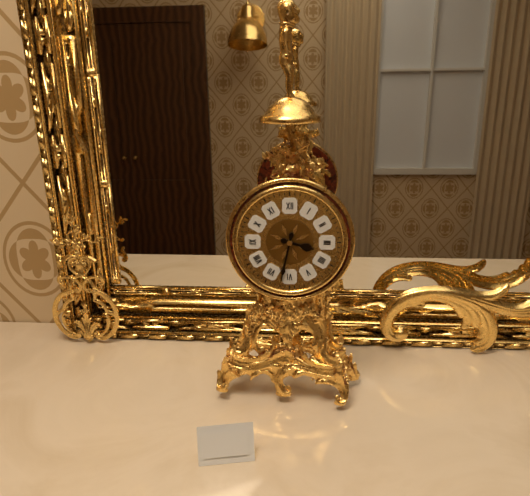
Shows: 3 h 32 min
